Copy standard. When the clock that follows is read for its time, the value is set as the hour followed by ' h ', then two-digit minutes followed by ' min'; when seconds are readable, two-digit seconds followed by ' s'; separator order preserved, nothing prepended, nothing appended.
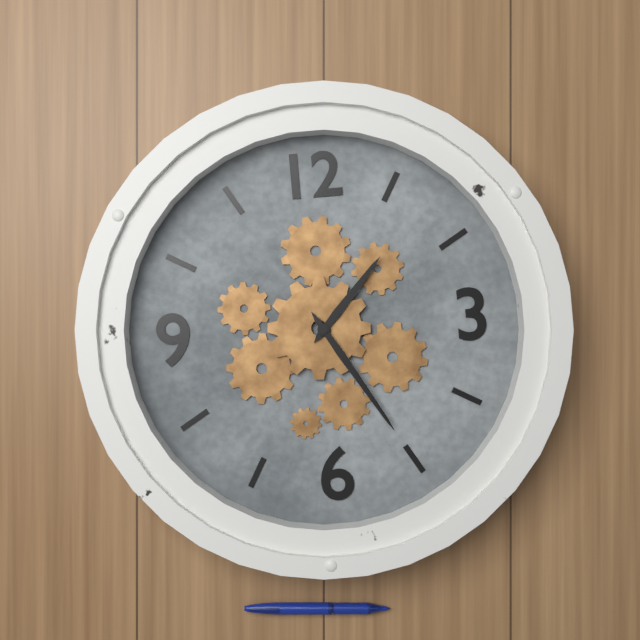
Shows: 1 h 25 min
